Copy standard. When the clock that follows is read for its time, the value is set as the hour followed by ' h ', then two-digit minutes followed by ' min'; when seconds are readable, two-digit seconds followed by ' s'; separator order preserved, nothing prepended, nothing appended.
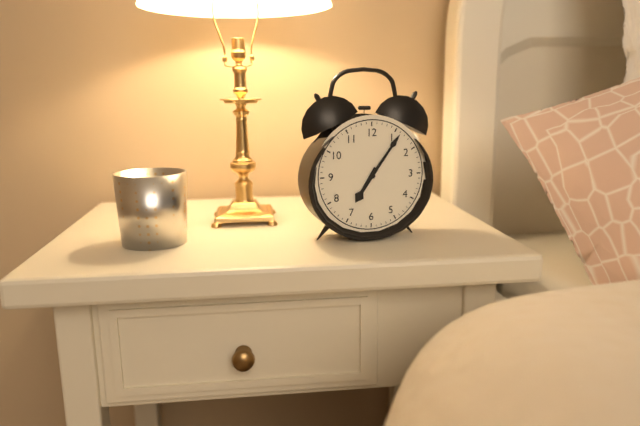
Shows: 7 h 06 min
